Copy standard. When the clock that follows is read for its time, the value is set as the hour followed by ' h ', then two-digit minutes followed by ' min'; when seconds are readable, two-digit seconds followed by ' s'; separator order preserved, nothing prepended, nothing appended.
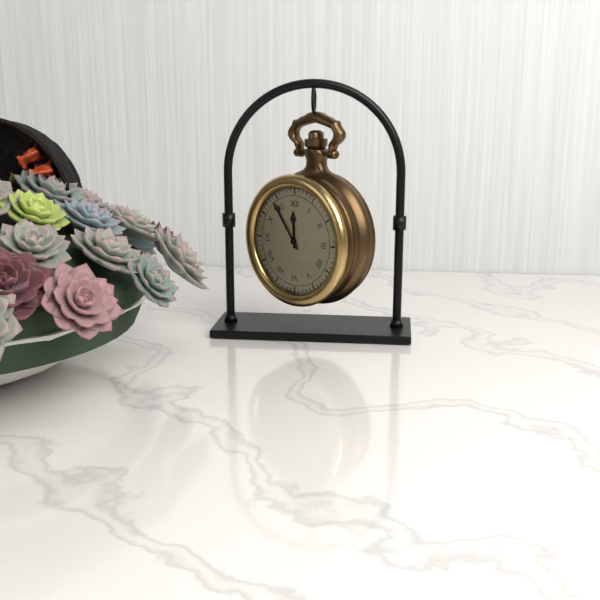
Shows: 11 h 54 min
